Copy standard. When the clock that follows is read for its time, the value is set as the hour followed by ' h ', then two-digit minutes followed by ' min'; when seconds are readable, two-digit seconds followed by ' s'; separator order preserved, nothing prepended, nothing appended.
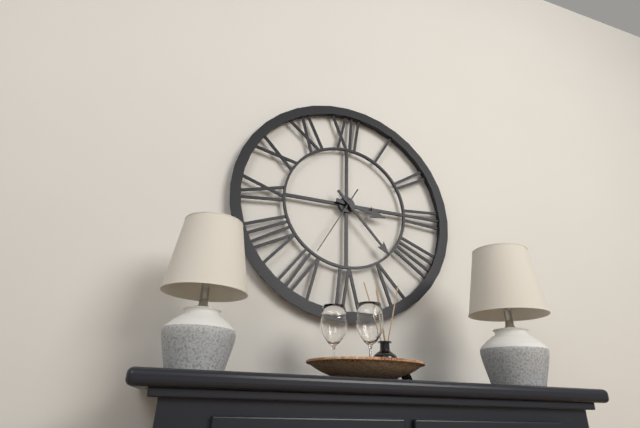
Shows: 3 h 23 min 35 s
